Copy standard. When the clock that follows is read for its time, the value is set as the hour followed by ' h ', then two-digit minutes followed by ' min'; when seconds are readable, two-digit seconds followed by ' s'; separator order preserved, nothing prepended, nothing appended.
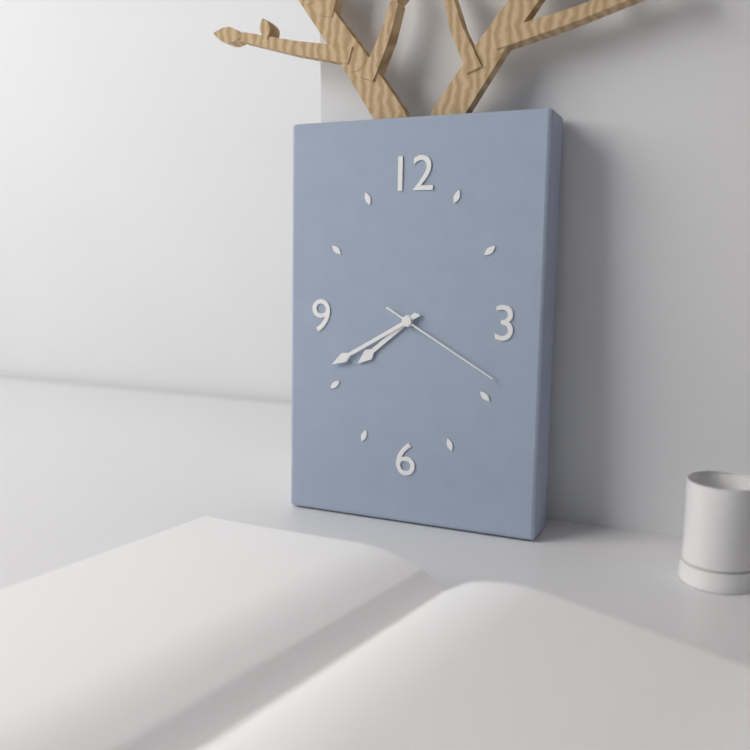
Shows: 7 h 40 min 20 s
